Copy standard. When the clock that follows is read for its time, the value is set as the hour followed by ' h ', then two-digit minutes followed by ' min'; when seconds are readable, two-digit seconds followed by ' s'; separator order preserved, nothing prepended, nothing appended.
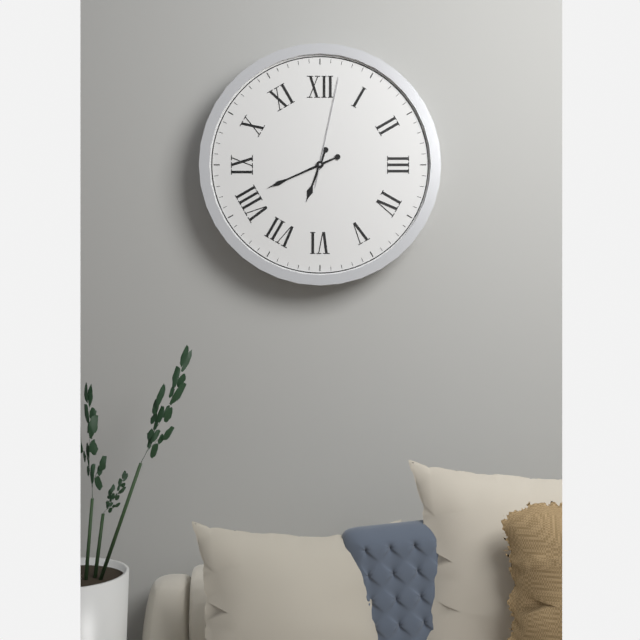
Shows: 6 h 41 min 02 s
